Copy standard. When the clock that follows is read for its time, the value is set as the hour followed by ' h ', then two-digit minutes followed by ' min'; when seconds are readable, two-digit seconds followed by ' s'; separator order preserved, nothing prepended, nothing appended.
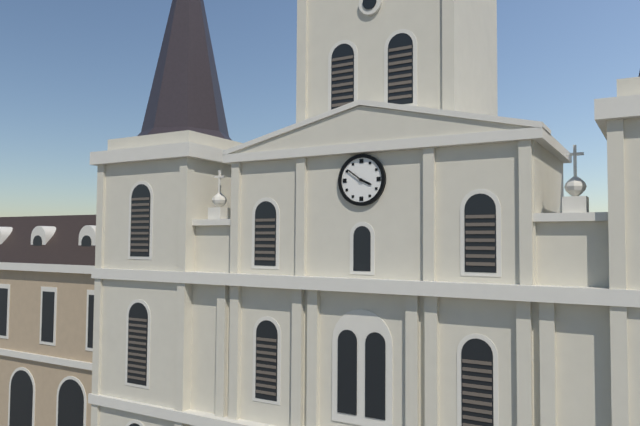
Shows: 3 h 51 min
